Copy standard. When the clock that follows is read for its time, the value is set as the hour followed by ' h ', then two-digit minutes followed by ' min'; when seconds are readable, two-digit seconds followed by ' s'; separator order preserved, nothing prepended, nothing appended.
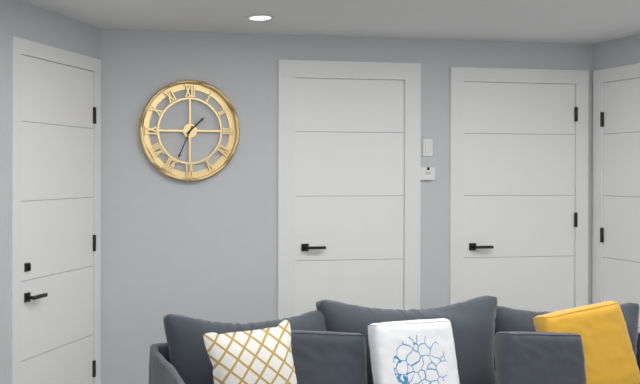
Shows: 1 h 34 min
